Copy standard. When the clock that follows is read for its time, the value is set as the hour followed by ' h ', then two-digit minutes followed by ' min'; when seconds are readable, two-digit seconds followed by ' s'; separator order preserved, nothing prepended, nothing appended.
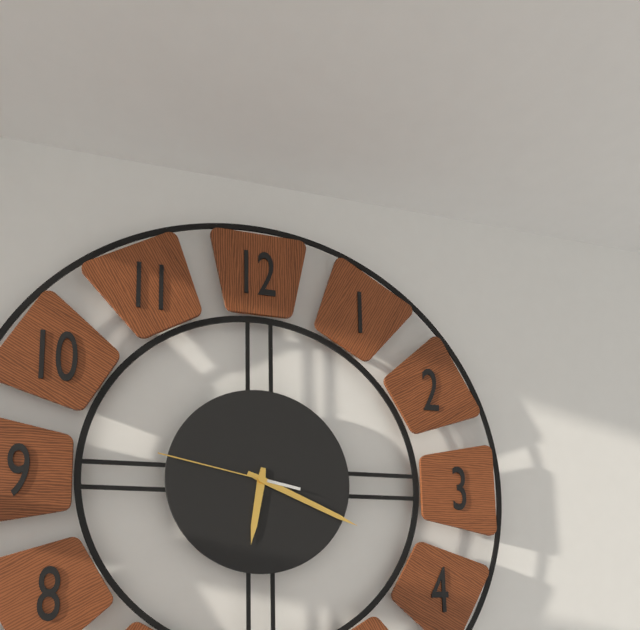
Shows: 6 h 19 min 47 s
